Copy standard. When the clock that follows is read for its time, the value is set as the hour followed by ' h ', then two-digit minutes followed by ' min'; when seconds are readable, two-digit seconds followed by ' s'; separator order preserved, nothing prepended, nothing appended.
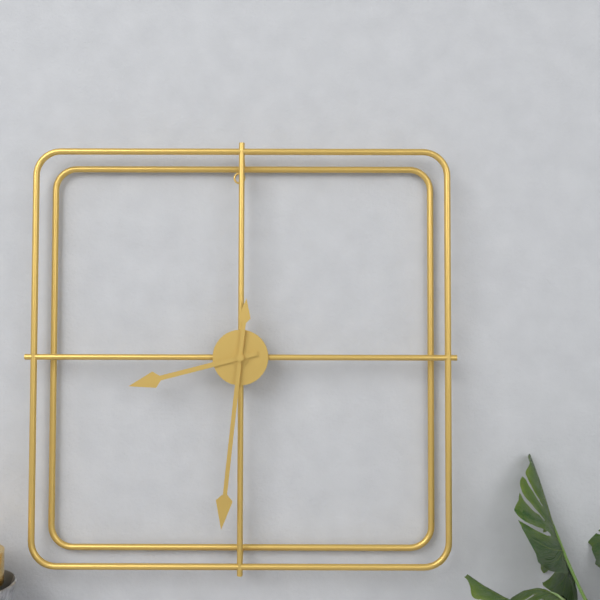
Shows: 8 h 31 min
